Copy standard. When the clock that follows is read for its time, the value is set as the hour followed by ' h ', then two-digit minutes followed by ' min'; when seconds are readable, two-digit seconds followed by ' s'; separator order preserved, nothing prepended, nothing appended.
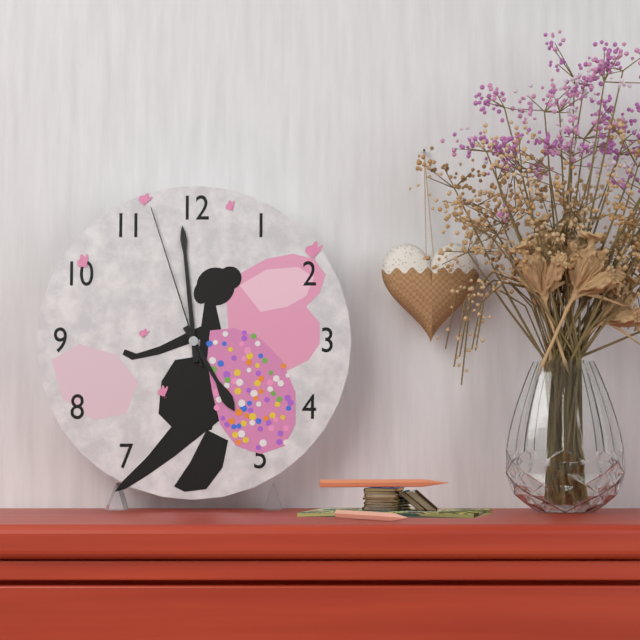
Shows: 4 h 59 min 57 s
